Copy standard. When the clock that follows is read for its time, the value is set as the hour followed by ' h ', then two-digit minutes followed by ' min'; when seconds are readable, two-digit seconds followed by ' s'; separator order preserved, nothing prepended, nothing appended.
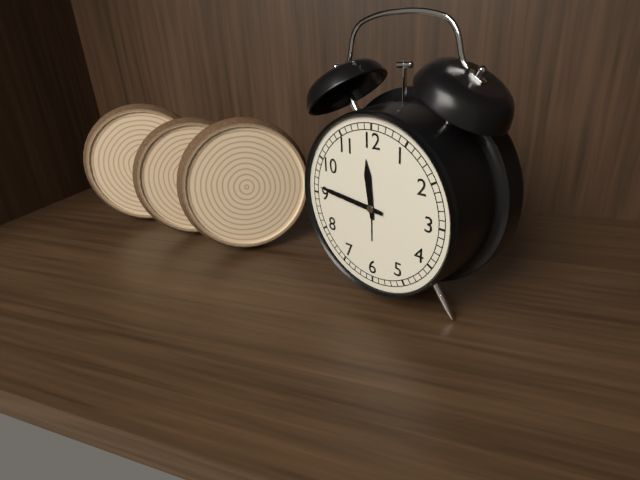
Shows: 11 h 46 min
